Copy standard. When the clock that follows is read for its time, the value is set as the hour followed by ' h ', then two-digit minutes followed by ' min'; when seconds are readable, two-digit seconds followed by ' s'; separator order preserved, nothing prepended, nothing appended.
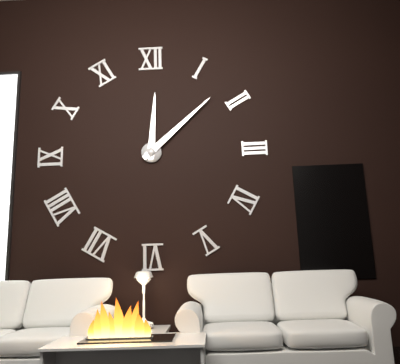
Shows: 12 h 08 min
